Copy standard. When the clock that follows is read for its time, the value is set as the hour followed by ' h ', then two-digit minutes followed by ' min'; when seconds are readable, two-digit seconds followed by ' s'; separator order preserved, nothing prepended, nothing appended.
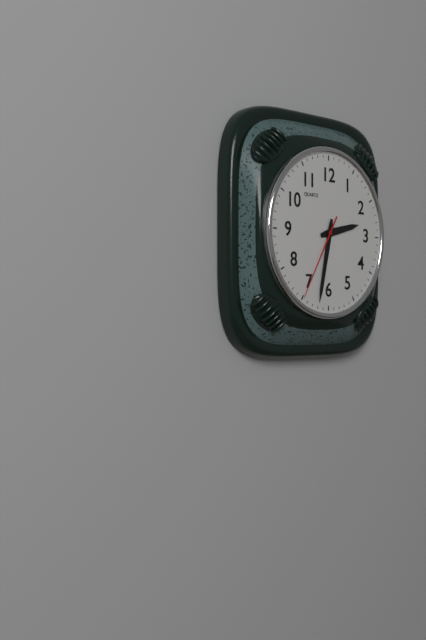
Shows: 2 h 32 min 35 s
